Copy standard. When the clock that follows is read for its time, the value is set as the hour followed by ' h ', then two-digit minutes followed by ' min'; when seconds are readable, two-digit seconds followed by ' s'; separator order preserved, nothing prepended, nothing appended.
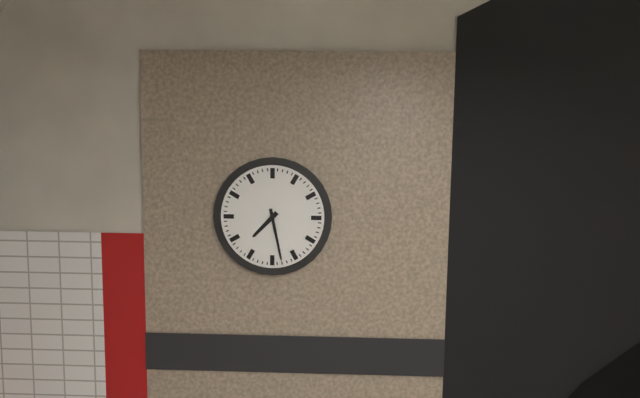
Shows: 7 h 28 min
